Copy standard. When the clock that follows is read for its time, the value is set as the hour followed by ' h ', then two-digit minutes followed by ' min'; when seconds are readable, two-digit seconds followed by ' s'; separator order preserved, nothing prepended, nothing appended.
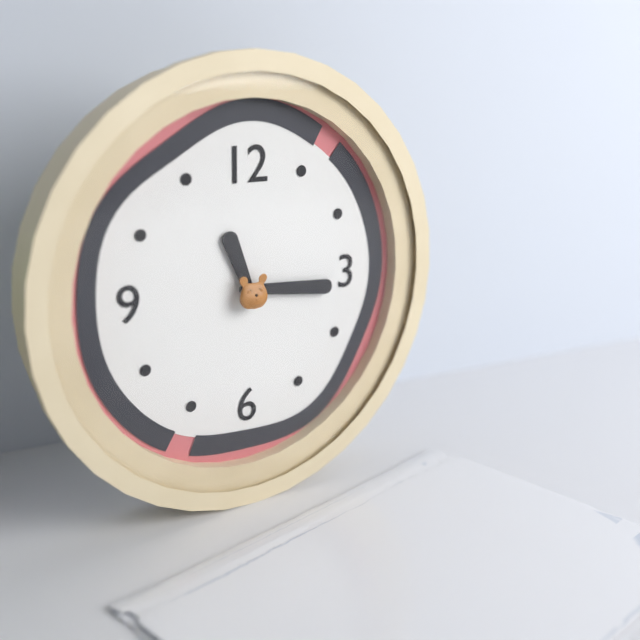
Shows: 11 h 16 min
